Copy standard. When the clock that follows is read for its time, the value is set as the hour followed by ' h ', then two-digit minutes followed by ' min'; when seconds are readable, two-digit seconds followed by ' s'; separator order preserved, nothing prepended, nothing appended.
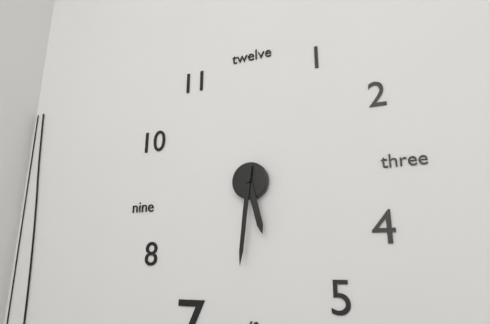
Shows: 5 h 31 min
